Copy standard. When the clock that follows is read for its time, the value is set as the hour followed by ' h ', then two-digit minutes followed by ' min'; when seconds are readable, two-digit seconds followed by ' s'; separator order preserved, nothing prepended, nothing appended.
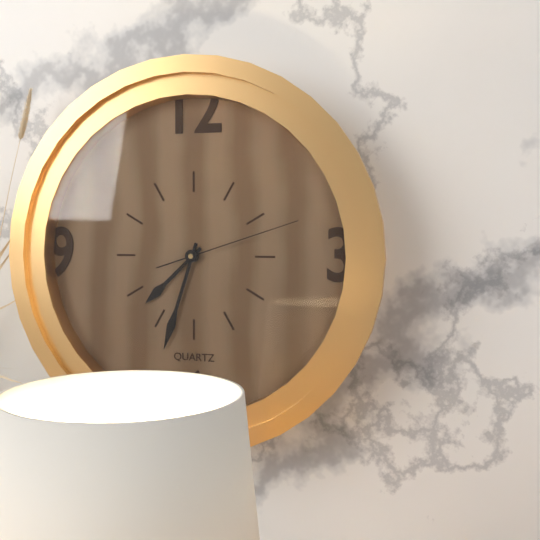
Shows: 7 h 33 min 12 s
